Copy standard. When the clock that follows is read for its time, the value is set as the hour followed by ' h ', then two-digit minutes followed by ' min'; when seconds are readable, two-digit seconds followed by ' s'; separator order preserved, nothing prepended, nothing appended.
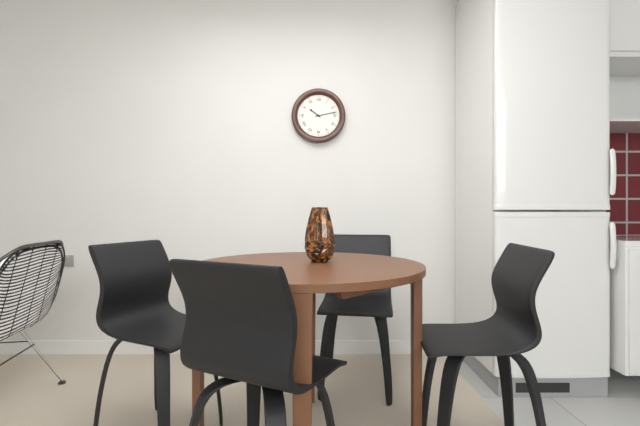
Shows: 10 h 13 min
